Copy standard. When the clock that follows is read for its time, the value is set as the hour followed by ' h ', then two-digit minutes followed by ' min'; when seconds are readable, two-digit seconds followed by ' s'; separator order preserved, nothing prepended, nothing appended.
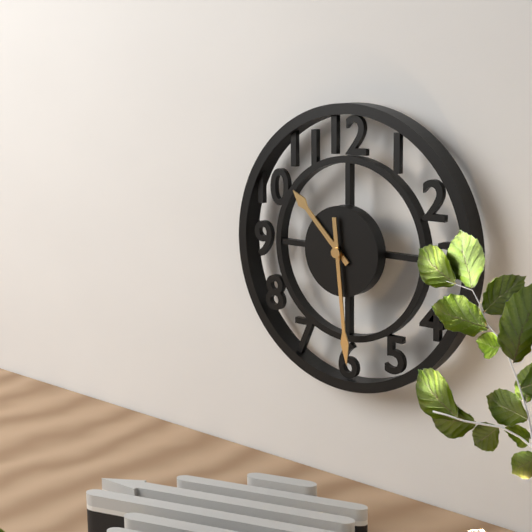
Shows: 10 h 29 min
